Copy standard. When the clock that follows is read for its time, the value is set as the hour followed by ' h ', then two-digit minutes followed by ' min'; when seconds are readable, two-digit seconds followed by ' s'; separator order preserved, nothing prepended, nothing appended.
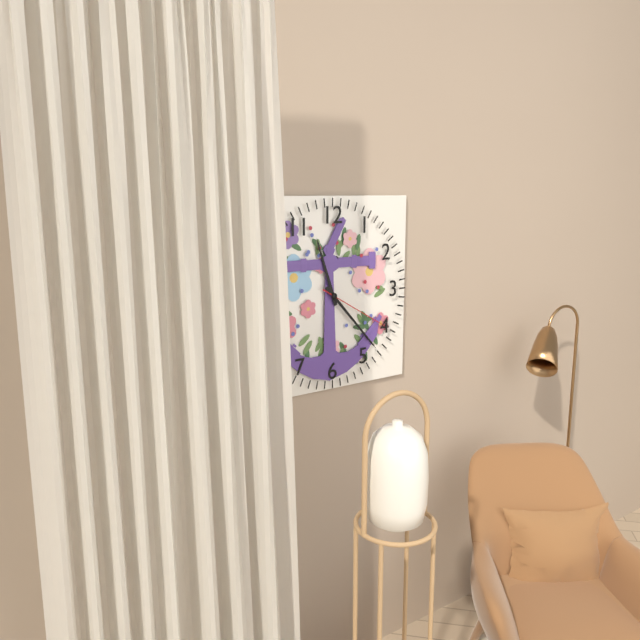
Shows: 11 h 23 min 20 s
